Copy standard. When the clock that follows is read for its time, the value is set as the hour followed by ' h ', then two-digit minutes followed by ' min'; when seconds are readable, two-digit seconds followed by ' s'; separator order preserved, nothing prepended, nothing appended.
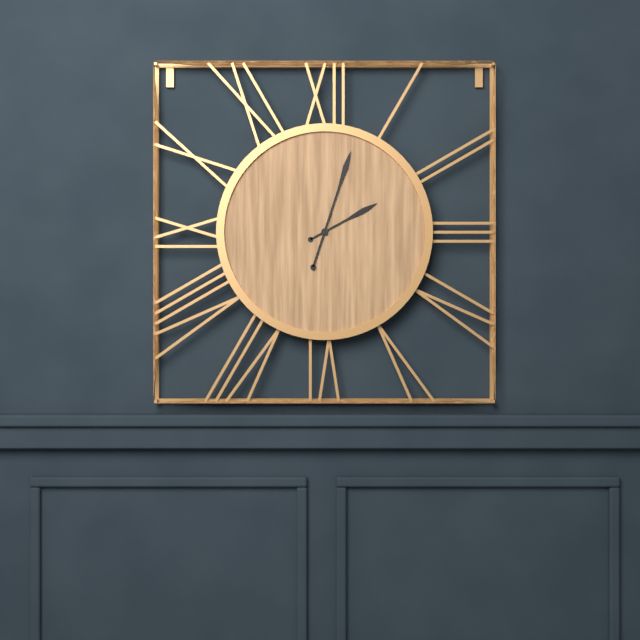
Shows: 2 h 03 min
